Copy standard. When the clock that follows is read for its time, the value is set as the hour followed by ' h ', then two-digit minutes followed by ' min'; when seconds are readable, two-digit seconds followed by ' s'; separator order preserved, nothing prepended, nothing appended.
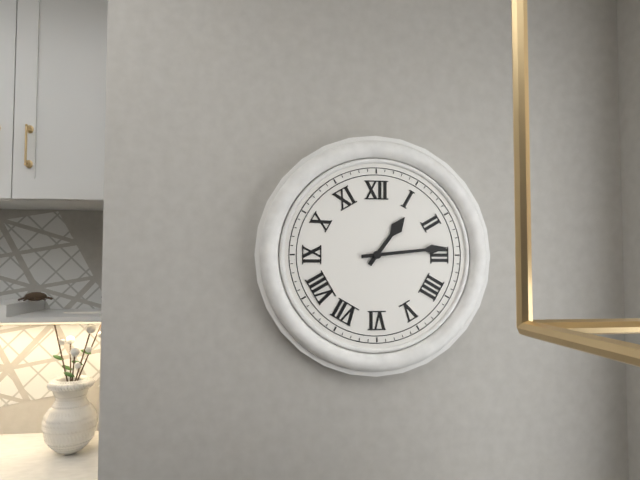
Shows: 1 h 14 min
